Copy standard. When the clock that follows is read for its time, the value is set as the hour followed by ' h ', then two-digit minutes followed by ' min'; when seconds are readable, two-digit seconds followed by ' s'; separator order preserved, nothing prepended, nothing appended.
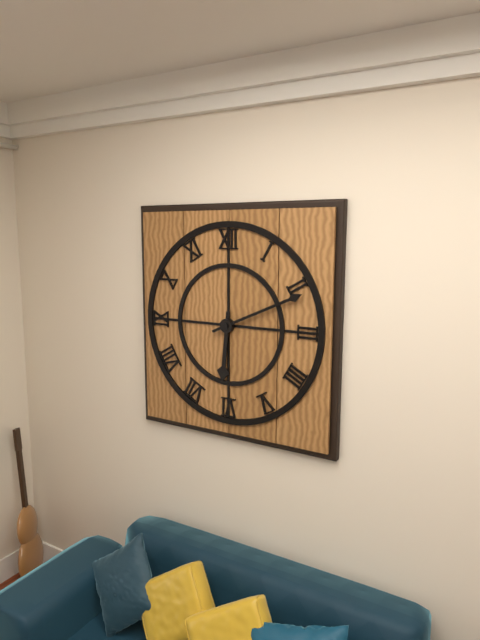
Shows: 6 h 11 min
